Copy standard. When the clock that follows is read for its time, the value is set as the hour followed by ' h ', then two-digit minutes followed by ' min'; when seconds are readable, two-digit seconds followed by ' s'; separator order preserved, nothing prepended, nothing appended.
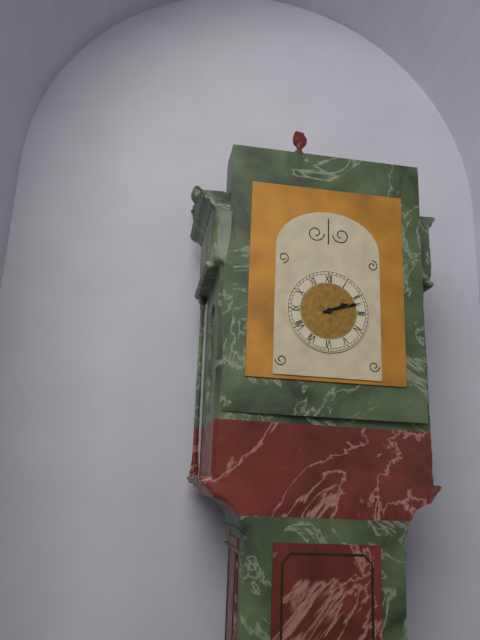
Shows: 2 h 12 min
